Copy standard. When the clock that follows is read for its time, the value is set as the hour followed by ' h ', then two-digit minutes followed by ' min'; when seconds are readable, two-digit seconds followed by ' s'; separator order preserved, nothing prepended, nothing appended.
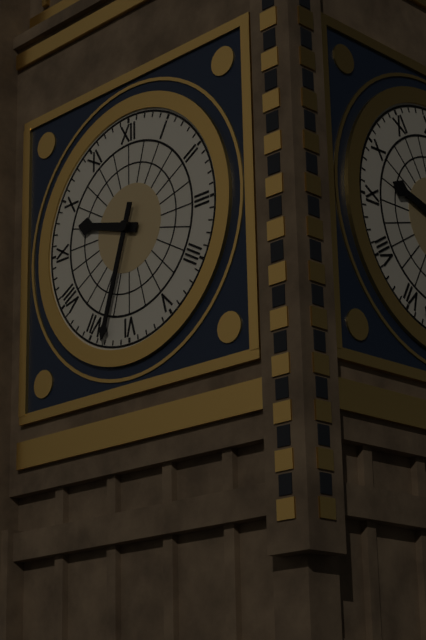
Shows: 9 h 33 min
